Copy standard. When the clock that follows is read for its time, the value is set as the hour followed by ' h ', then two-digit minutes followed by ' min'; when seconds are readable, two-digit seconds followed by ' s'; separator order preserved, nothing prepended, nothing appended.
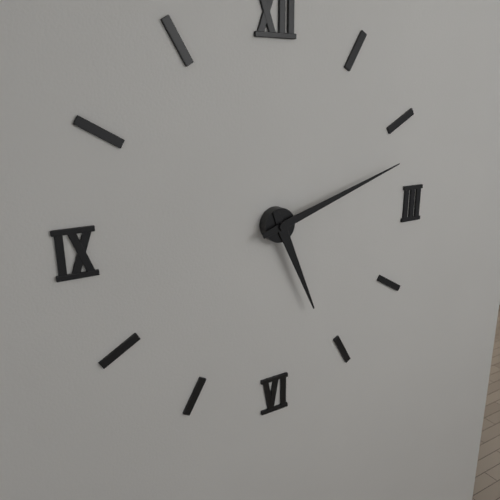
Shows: 5 h 12 min
